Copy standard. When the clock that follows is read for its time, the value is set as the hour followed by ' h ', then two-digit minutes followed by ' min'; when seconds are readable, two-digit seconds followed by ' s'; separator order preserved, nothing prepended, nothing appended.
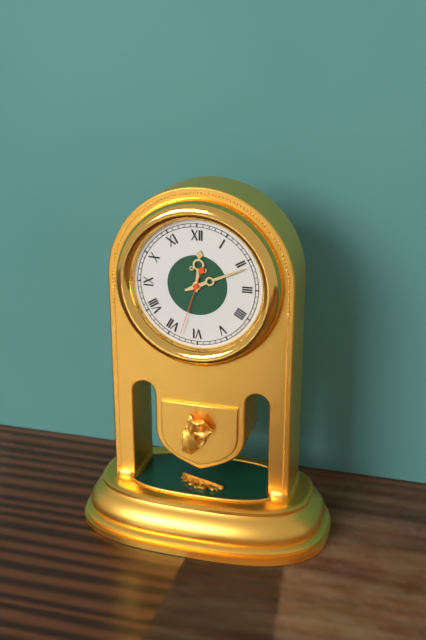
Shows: 12 h 11 min 33 s
